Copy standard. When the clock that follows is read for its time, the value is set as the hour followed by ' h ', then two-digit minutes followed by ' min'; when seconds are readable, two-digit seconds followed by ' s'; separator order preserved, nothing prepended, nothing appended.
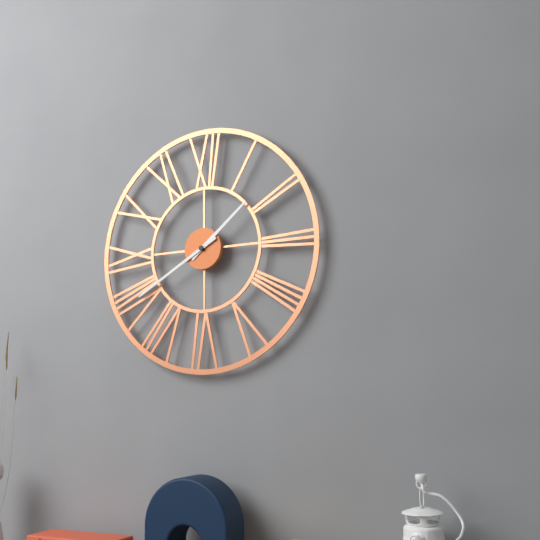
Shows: 1 h 40 min
